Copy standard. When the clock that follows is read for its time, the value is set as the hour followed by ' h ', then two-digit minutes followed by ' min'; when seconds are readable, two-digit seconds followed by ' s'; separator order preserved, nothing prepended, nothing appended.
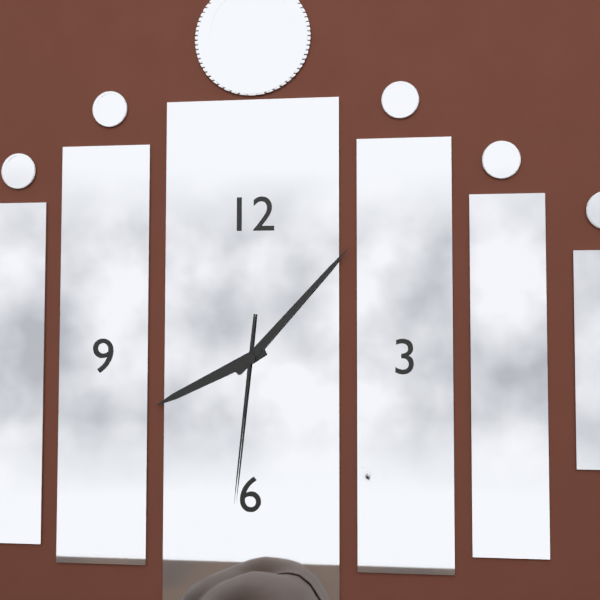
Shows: 8 h 07 min 31 s
